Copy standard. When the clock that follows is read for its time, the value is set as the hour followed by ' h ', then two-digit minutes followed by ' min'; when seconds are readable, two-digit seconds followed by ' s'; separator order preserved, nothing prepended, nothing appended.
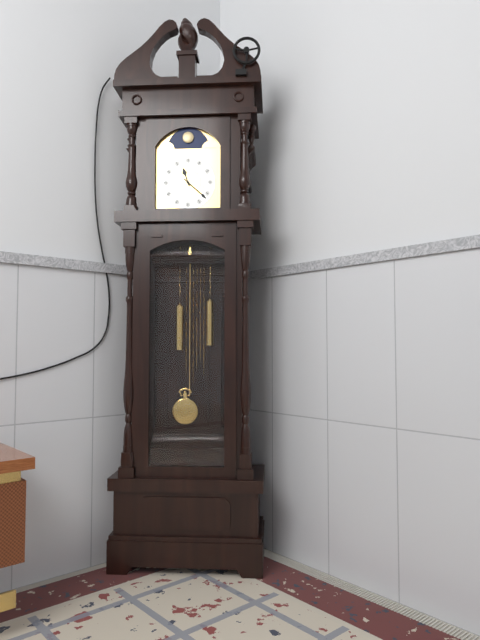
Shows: 11 h 22 min
